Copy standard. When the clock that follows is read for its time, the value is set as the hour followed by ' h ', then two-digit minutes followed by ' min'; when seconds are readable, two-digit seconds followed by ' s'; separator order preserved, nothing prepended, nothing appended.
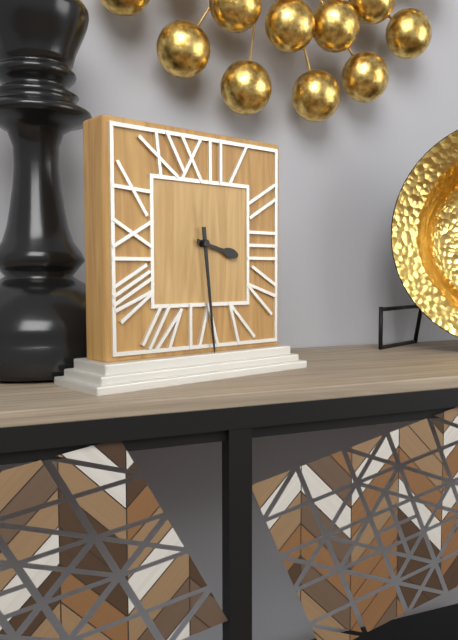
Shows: 3 h 29 min
